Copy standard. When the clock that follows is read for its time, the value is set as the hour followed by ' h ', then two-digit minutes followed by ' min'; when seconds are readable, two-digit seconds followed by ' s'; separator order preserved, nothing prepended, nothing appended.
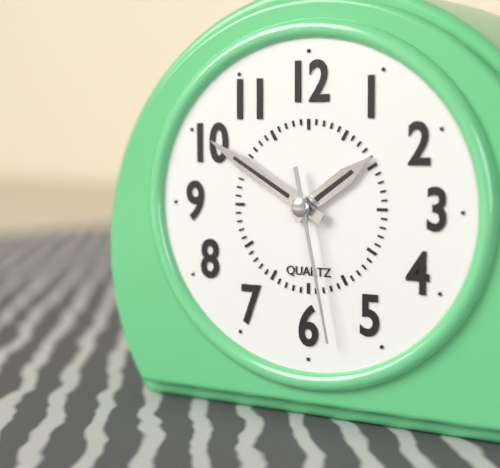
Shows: 1 h 50 min 28 s
